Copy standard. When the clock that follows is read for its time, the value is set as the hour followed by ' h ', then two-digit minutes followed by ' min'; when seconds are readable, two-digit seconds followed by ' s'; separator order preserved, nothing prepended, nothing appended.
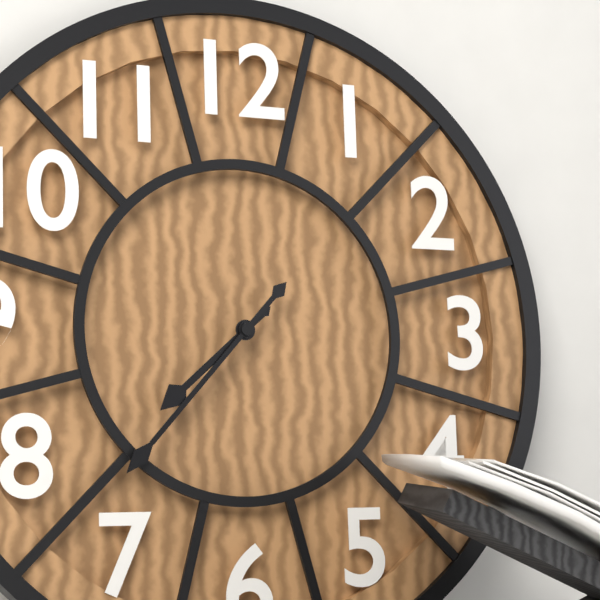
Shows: 7 h 37 min
